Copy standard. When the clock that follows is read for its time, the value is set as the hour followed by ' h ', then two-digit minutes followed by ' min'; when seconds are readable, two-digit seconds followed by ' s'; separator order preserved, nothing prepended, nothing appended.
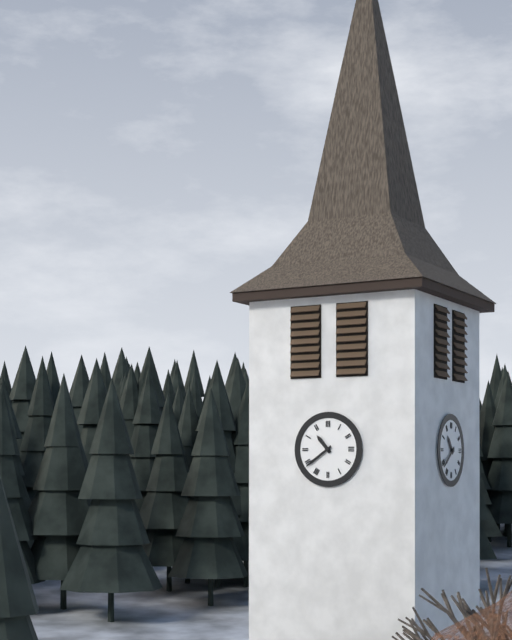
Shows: 10 h 39 min
